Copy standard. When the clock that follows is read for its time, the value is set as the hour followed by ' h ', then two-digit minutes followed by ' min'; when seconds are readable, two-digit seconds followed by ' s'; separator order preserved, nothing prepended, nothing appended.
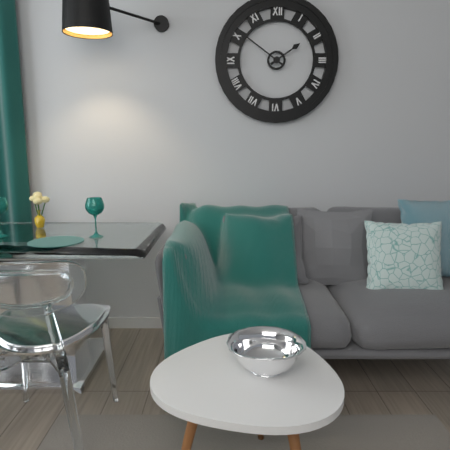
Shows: 1 h 51 min
